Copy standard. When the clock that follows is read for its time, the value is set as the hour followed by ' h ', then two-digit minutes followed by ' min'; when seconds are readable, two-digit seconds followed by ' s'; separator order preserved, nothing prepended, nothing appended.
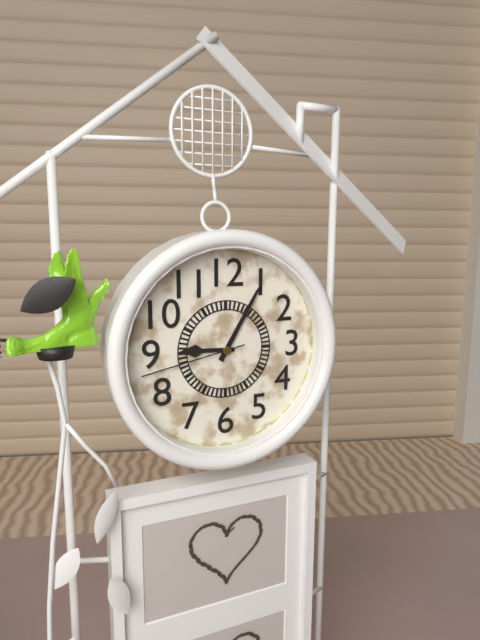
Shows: 9 h 05 min 43 s
